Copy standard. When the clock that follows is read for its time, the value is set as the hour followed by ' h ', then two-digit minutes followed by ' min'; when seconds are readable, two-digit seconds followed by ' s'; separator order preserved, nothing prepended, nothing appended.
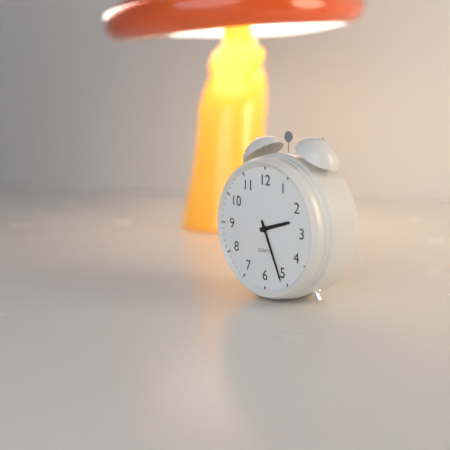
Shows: 2 h 26 min
